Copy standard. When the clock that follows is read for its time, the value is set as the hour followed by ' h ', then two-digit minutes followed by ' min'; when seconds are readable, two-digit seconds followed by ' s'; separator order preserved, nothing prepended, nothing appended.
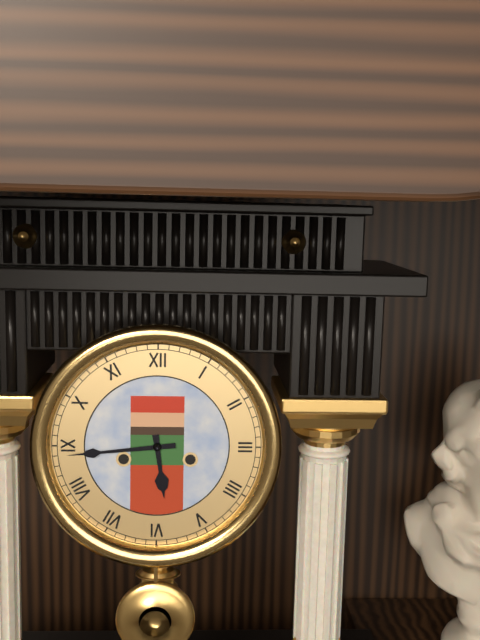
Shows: 5 h 44 min
